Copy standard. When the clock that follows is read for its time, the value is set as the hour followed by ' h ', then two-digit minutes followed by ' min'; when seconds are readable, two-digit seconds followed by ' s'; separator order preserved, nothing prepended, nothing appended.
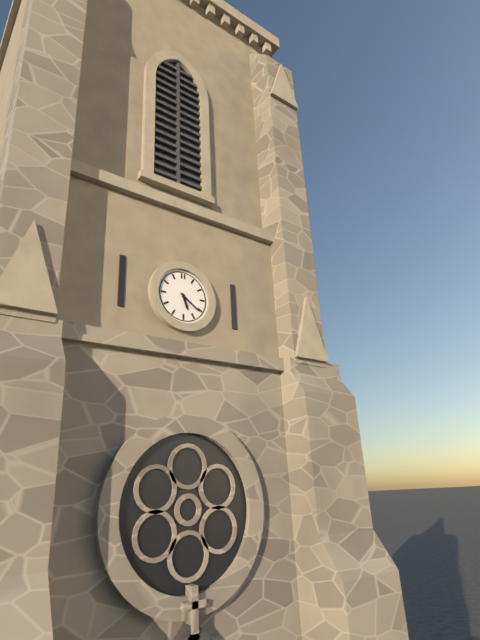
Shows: 5 h 21 min
